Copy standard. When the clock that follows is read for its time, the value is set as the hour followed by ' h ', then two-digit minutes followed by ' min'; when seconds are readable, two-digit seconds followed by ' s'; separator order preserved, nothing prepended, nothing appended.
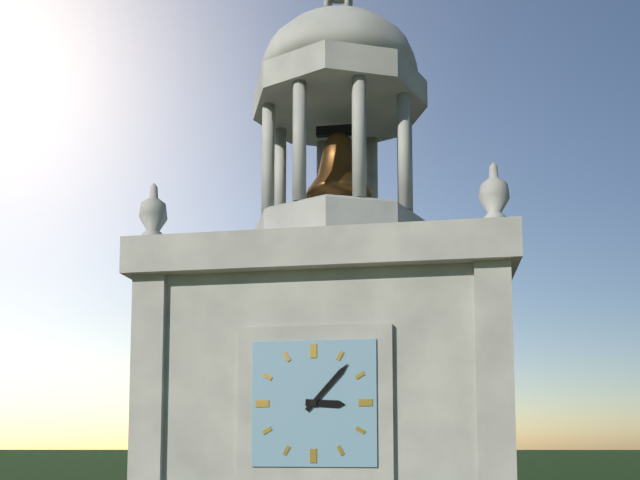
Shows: 3 h 07 min
